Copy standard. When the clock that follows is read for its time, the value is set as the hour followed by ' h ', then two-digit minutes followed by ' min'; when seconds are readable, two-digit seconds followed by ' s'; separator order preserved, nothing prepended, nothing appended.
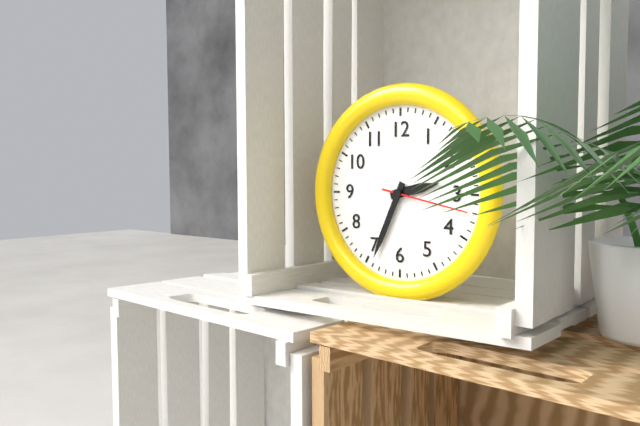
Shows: 2 h 34 min 17 s
